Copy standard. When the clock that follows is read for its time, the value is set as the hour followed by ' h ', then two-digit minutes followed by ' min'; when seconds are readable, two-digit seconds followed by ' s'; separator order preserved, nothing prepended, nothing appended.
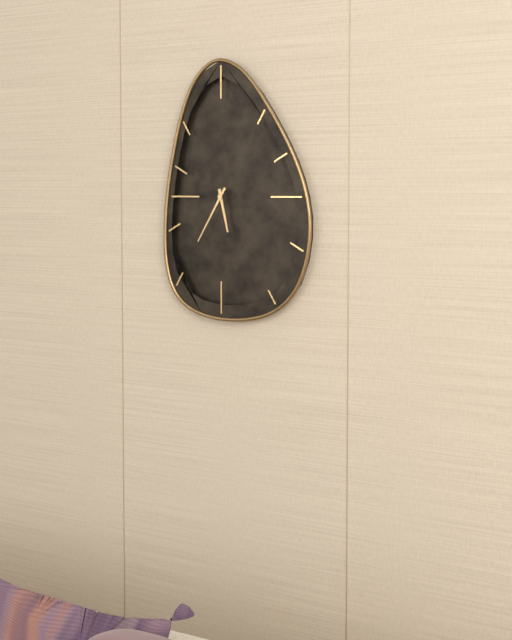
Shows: 5 h 35 min
